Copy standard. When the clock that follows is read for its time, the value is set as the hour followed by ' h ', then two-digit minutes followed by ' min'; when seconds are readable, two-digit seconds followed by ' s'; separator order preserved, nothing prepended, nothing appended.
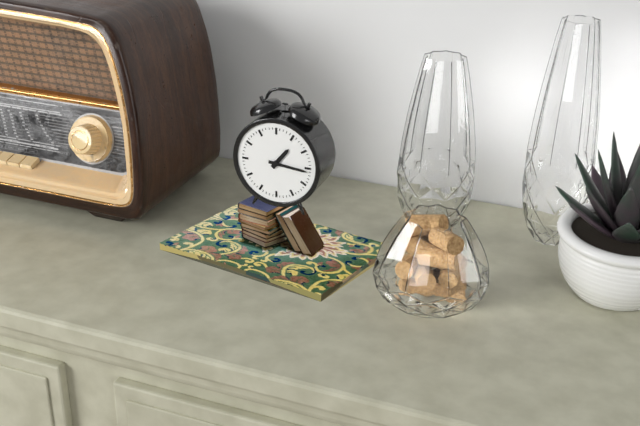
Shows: 1 h 16 min
